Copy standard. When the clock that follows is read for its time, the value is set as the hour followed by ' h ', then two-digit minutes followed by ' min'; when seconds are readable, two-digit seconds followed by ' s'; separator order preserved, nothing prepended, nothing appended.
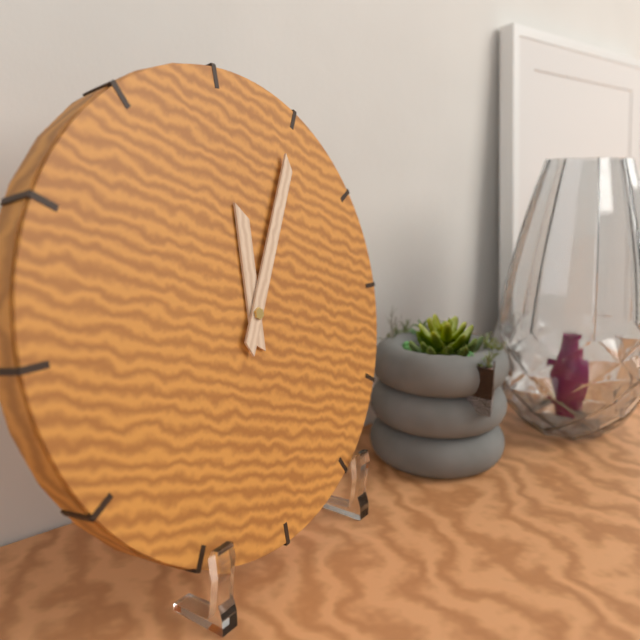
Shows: 12 h 05 min
